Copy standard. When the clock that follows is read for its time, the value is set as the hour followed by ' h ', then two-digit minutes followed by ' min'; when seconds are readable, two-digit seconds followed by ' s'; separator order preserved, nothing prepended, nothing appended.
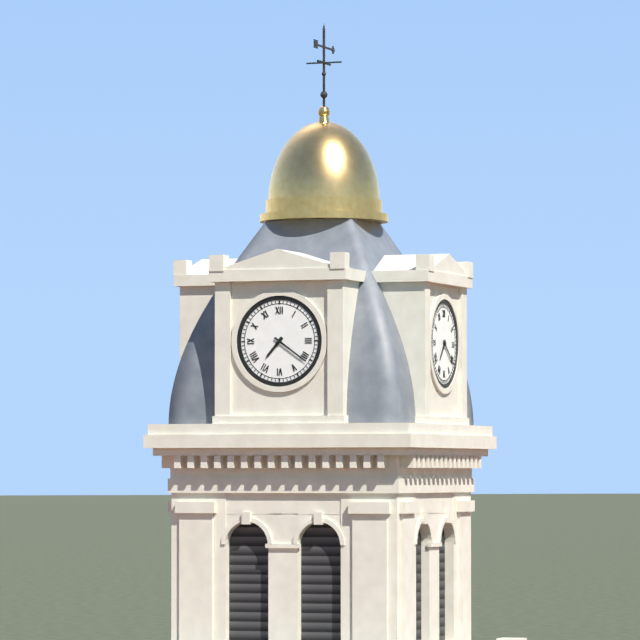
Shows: 7 h 21 min
